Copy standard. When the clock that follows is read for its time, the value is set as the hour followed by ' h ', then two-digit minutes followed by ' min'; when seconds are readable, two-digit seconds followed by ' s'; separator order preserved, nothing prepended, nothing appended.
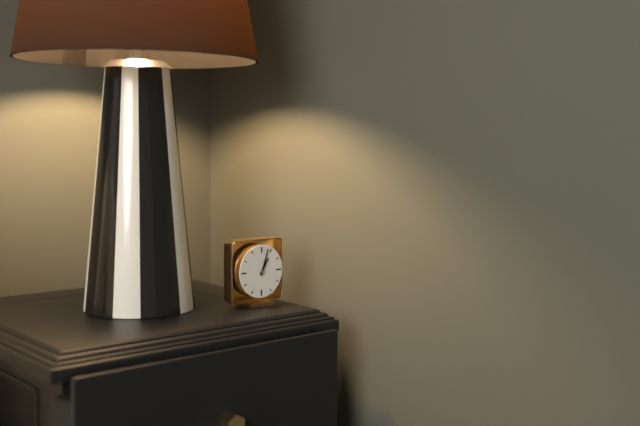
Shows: 1 h 03 min
